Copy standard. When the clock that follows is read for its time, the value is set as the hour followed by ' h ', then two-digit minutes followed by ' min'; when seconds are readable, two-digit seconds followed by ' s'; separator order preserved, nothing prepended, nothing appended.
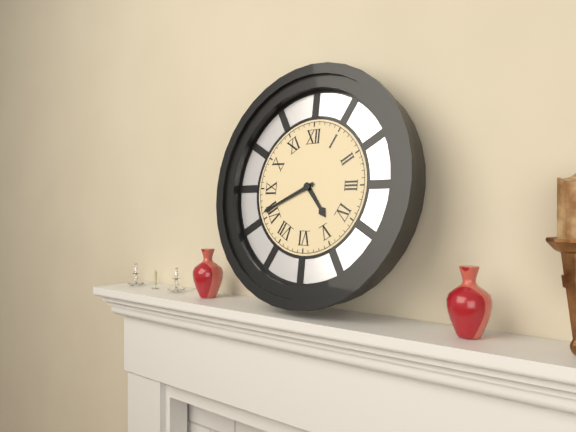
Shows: 4 h 41 min
